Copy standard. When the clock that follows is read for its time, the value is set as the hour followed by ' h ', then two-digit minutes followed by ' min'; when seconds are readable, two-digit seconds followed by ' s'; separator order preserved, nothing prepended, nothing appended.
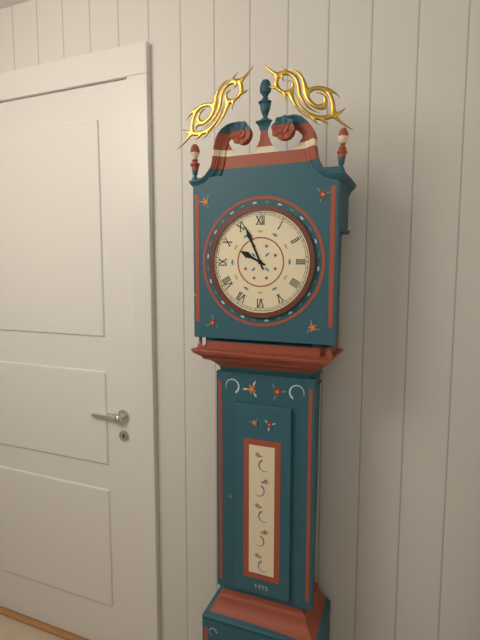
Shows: 9 h 56 min
